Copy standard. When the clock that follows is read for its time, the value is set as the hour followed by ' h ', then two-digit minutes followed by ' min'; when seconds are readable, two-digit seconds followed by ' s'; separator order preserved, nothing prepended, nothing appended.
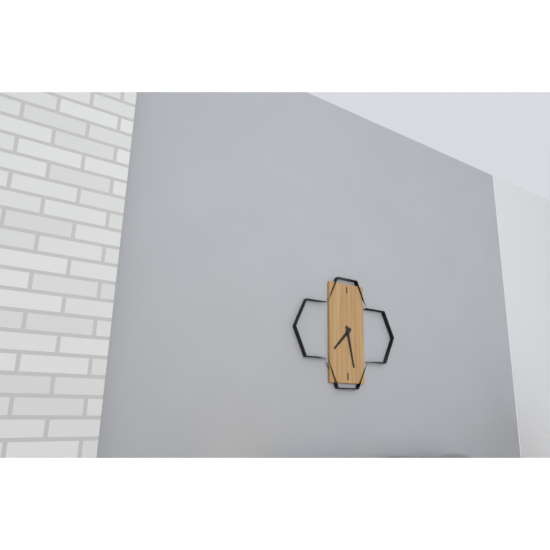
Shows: 7 h 28 min
